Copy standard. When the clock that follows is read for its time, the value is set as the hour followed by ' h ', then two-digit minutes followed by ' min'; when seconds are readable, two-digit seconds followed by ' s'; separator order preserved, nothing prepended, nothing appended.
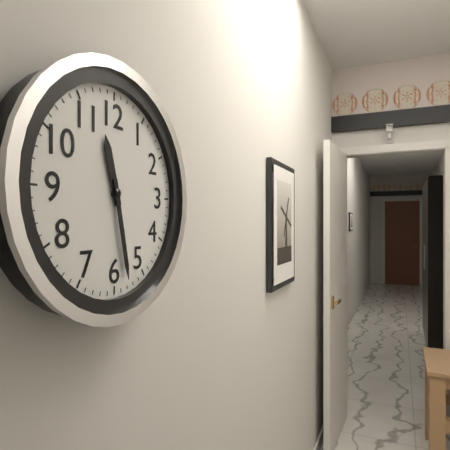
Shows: 11 h 28 min
